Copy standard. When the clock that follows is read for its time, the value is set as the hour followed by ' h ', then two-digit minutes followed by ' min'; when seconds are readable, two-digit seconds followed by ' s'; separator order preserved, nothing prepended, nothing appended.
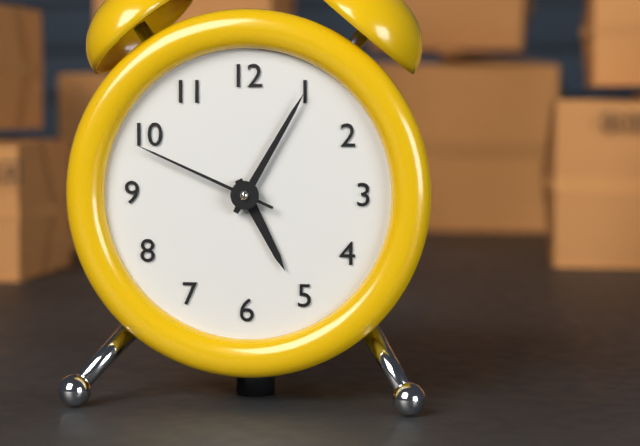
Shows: 5 h 05 min 49 s
